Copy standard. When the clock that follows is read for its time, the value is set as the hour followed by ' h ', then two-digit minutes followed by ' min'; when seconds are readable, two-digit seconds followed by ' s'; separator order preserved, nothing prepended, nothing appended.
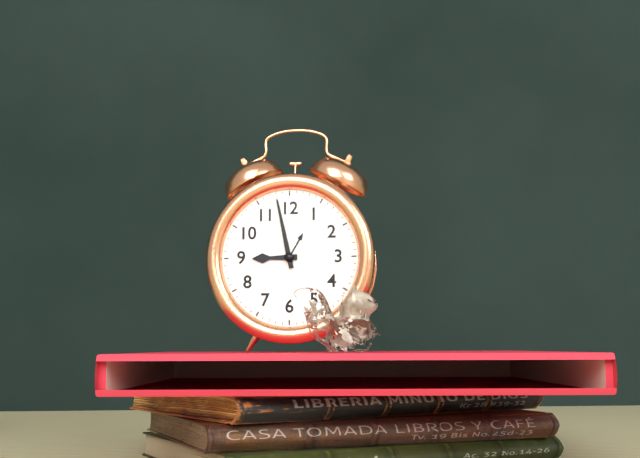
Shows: 8 h 58 min
